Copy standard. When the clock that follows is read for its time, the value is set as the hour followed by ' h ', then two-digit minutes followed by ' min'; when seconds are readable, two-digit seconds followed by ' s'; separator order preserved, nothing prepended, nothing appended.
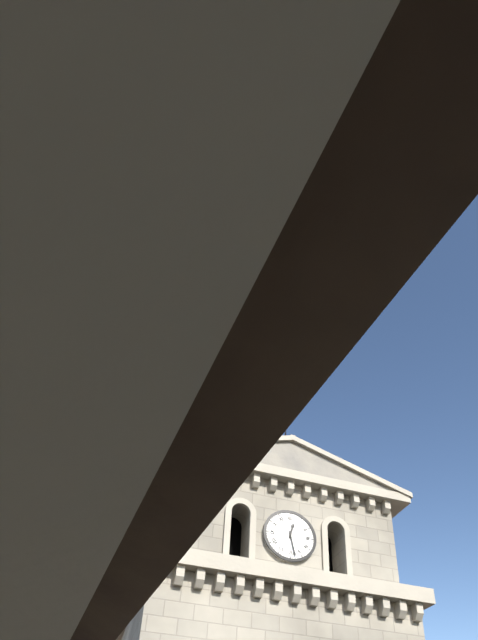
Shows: 12 h 28 min
